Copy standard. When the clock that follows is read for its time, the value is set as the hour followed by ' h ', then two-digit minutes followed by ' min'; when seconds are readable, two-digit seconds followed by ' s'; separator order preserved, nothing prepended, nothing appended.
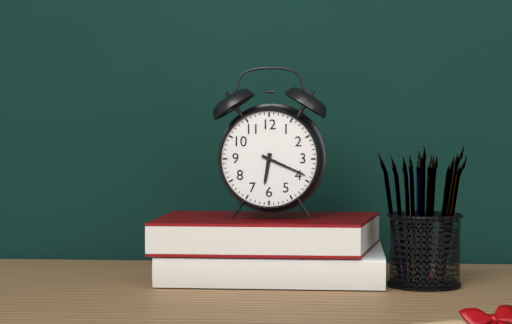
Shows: 6 h 19 min
